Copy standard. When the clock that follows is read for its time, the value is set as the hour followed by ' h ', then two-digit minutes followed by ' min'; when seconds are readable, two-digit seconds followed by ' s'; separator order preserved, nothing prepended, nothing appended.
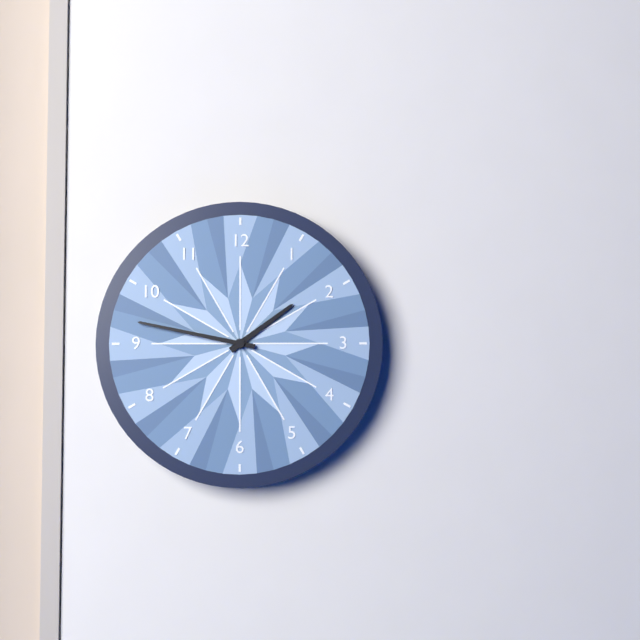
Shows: 1 h 47 min
